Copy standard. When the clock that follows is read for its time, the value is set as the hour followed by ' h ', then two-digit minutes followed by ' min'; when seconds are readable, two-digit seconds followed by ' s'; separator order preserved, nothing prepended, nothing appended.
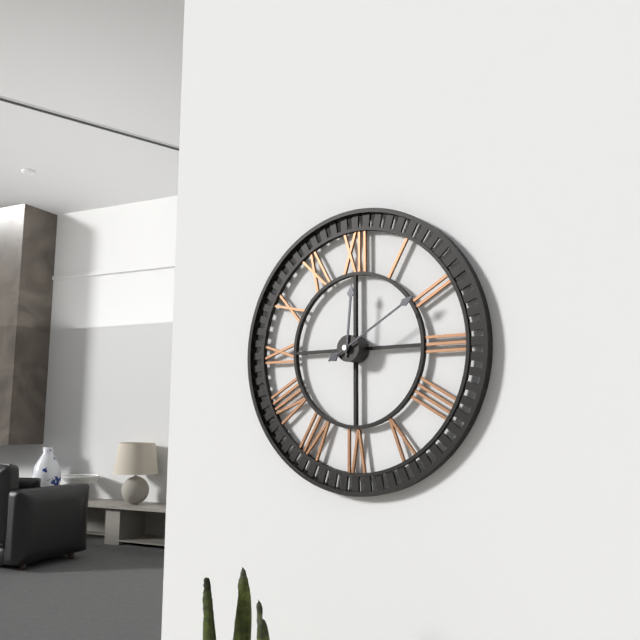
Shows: 12 h 10 min
